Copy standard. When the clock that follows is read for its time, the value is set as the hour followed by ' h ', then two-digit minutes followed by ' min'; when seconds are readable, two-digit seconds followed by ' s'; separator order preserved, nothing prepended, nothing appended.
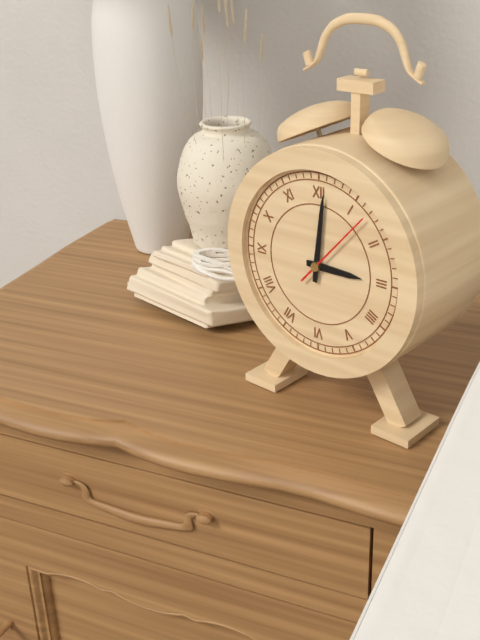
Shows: 3 h 01 min 07 s
